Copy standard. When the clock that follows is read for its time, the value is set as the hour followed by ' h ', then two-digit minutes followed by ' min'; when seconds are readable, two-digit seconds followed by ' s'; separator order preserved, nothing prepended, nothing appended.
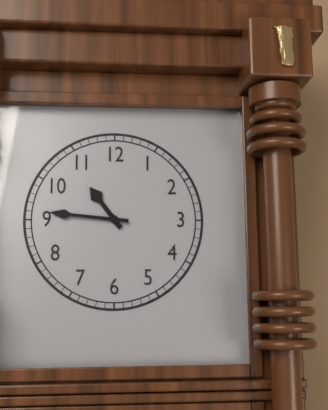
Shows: 10 h 46 min
